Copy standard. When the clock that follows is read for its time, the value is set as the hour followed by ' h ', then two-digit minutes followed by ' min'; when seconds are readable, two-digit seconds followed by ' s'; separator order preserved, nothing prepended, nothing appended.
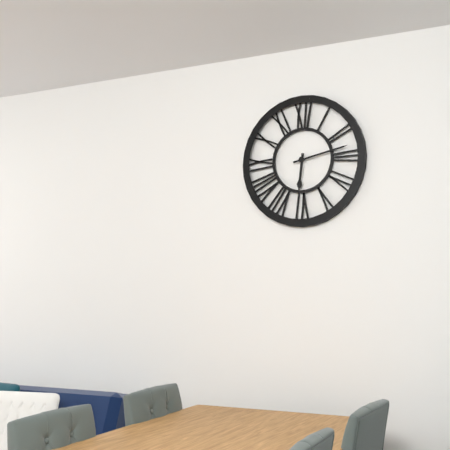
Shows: 6 h 13 min
